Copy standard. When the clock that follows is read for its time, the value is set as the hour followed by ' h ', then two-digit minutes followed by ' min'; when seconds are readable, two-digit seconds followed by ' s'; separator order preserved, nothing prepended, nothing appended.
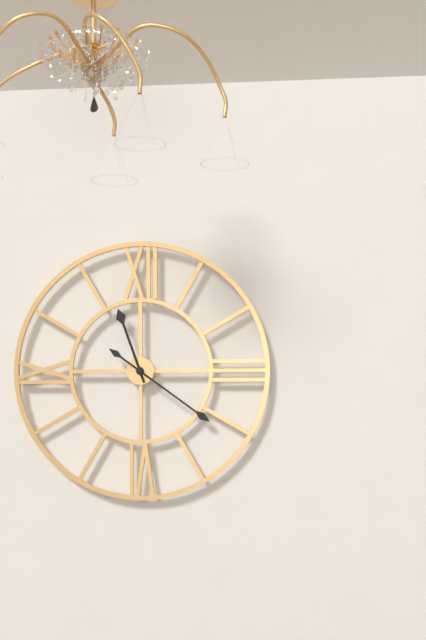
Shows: 11 h 21 min
